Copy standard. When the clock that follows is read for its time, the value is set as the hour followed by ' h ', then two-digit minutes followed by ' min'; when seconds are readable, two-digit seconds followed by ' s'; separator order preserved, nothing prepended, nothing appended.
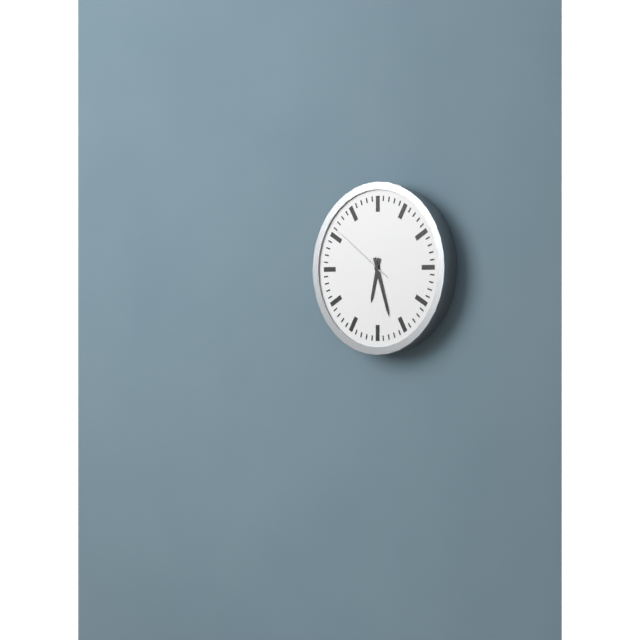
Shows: 6 h 27 min 51 s
